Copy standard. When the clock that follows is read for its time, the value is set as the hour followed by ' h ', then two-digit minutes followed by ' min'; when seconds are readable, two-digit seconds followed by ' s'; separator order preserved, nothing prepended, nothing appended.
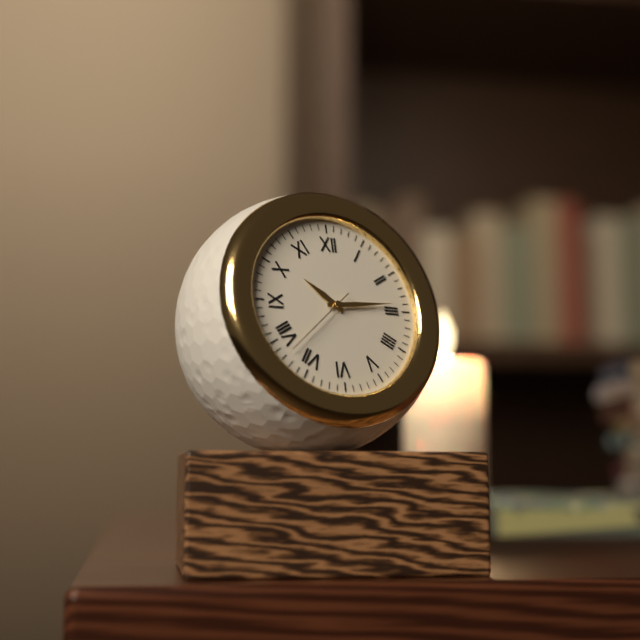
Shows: 10 h 14 min 38 s
